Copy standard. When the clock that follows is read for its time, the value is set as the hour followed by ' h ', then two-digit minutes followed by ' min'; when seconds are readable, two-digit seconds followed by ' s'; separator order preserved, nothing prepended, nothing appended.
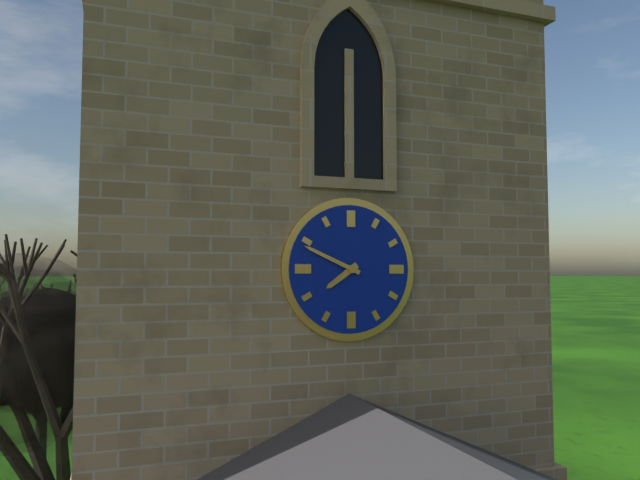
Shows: 7 h 49 min
